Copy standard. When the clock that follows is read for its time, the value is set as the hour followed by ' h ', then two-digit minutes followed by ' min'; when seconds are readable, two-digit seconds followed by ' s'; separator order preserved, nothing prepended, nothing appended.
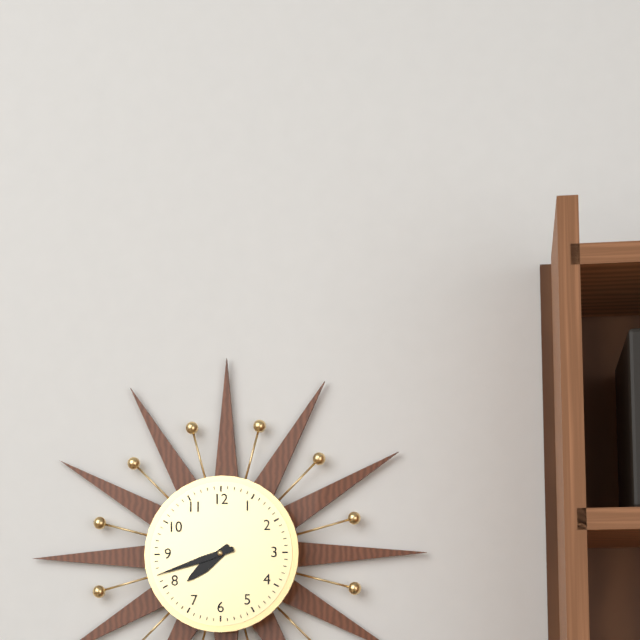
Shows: 7 h 42 min
